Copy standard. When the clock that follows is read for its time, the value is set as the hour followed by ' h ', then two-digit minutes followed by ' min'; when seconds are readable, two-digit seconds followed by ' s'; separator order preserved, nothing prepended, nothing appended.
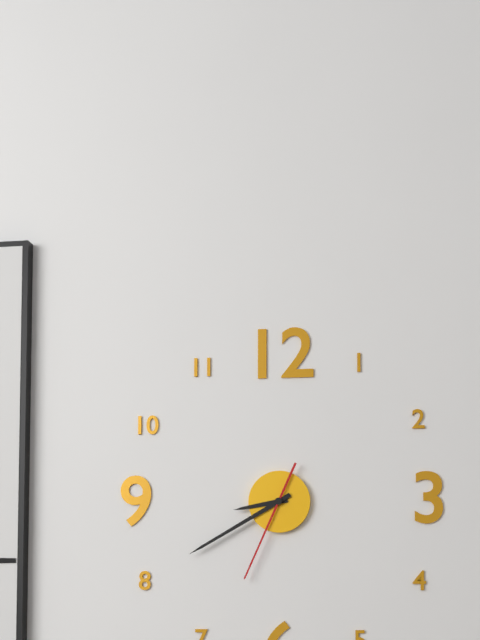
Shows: 8 h 40 min 34 s
